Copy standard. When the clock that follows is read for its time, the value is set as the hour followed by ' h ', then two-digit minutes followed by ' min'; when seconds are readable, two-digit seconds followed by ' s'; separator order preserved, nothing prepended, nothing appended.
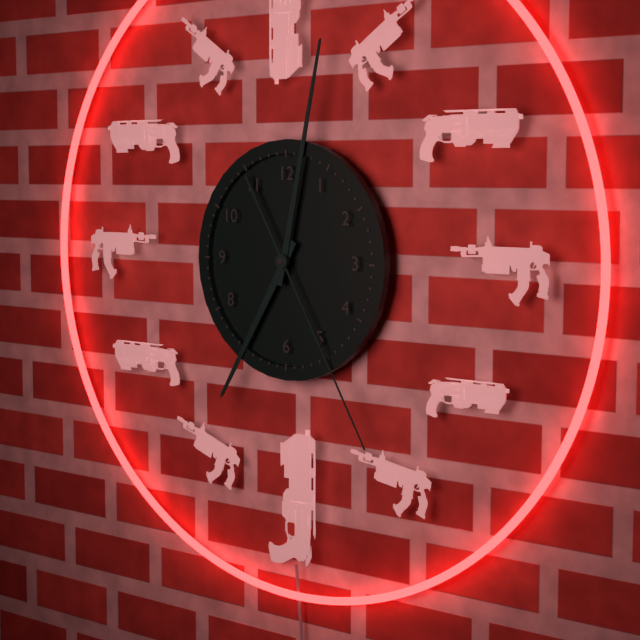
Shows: 7 h 02 min 25 s
